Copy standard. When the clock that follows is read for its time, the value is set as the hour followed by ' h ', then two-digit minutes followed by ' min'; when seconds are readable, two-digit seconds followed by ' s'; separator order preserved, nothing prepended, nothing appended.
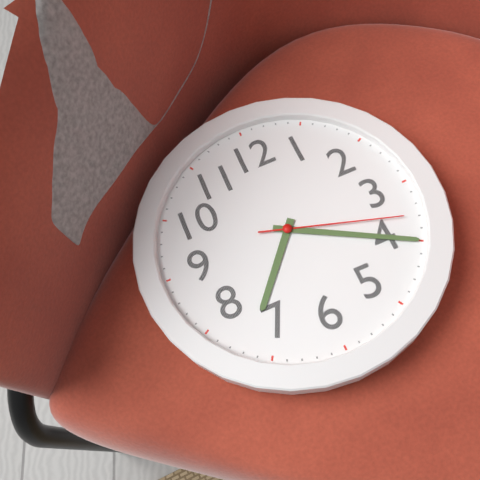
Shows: 7 h 20 min 18 s
